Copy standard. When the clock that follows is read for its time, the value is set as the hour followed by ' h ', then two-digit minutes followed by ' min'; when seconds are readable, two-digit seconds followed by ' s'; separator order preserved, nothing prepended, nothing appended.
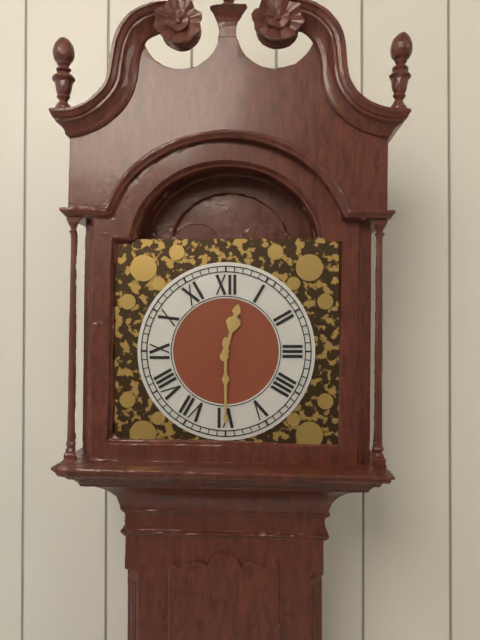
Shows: 12 h 30 min
